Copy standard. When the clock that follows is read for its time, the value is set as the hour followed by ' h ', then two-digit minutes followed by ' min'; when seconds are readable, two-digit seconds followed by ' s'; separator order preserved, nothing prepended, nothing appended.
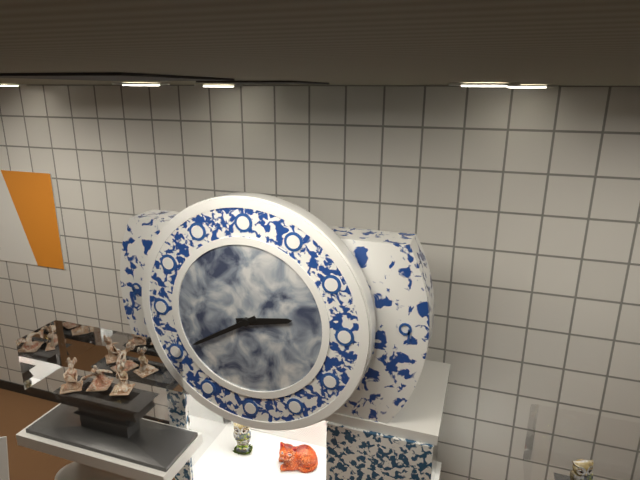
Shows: 2 h 40 min
